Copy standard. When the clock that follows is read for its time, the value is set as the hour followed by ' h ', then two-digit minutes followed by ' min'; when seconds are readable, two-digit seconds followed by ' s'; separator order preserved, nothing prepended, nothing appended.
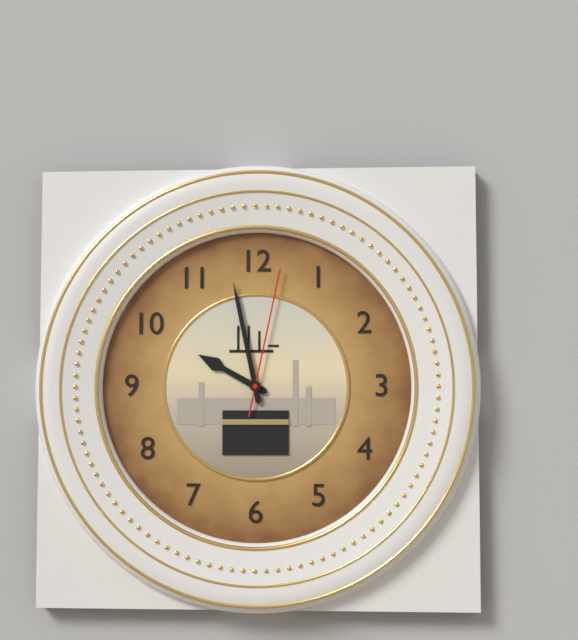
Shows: 9 h 58 min 02 s
